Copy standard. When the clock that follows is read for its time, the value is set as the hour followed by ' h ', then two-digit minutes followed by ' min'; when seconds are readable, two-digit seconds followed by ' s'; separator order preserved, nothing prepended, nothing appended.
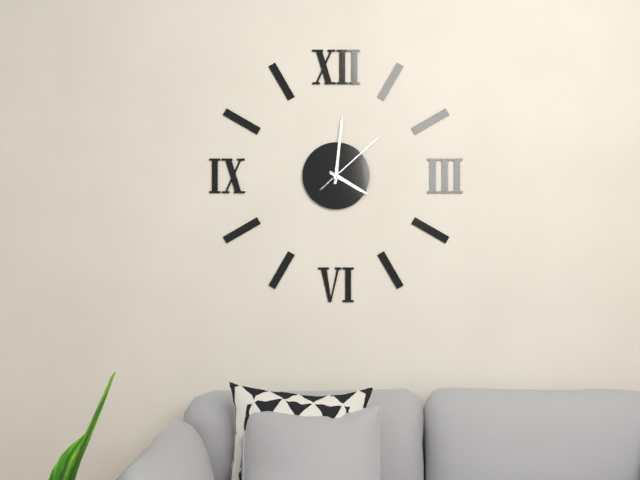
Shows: 4 h 01 min 08 s
